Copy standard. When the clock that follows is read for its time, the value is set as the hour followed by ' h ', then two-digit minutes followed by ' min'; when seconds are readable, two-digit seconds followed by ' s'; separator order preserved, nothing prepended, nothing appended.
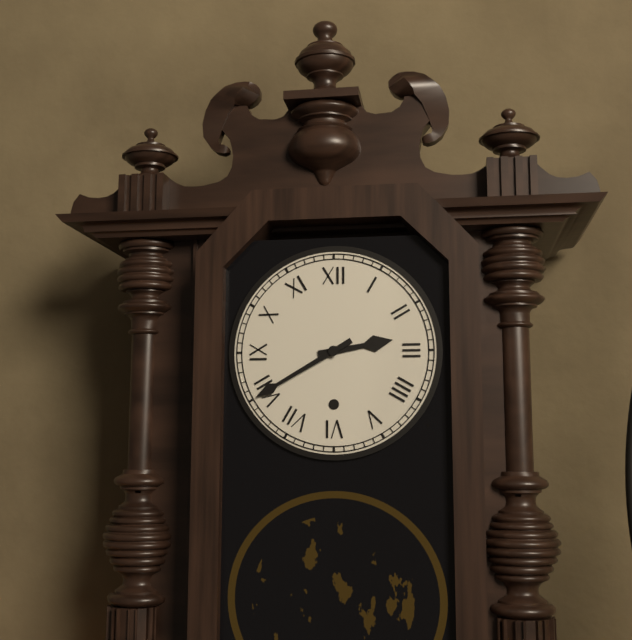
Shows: 2 h 40 min
